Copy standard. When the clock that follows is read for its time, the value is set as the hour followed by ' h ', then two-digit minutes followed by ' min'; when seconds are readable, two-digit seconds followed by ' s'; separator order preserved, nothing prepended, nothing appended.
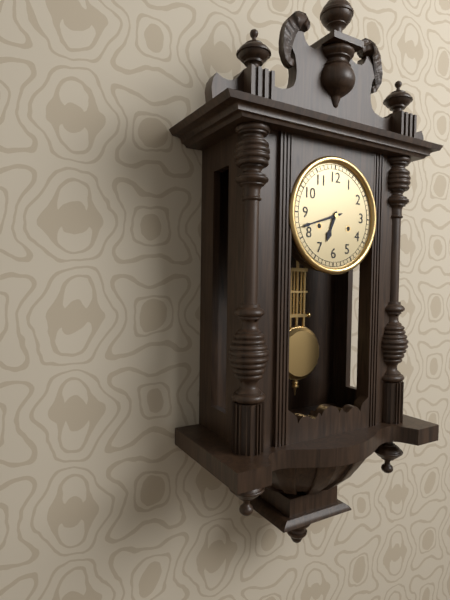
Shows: 6 h 42 min
